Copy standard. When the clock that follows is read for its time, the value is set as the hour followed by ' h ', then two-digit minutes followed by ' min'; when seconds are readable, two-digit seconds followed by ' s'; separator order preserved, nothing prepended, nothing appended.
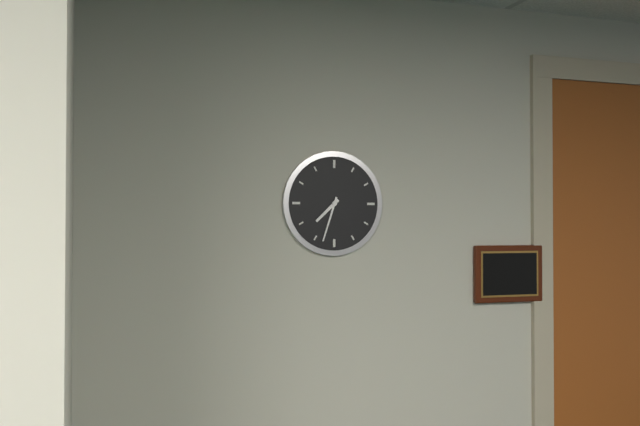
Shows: 7 h 33 min
